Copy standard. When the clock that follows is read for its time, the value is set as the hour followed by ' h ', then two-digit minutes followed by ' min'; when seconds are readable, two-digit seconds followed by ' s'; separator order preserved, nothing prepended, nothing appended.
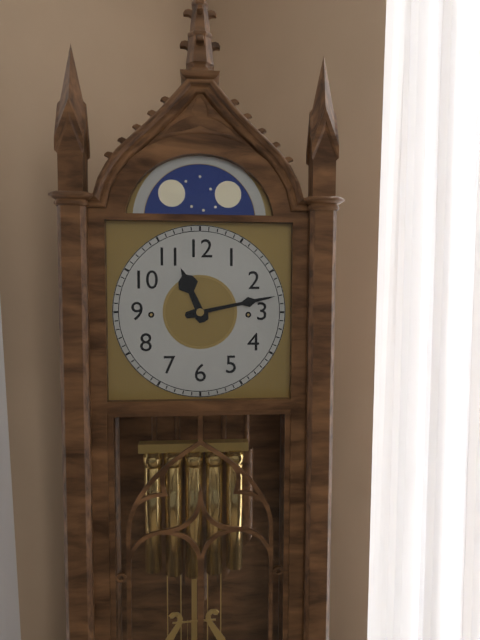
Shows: 11 h 13 min
